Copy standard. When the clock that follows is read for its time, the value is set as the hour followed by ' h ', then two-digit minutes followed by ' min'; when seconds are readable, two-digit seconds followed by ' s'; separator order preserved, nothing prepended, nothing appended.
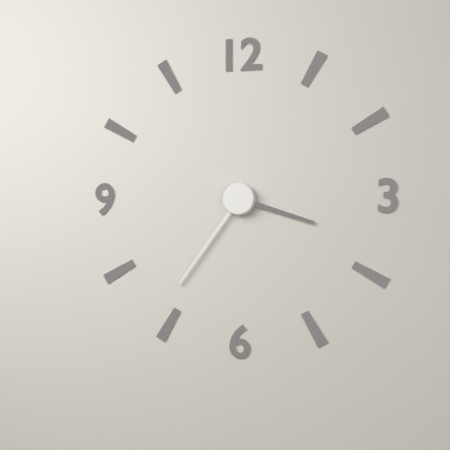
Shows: 3 h 36 min
